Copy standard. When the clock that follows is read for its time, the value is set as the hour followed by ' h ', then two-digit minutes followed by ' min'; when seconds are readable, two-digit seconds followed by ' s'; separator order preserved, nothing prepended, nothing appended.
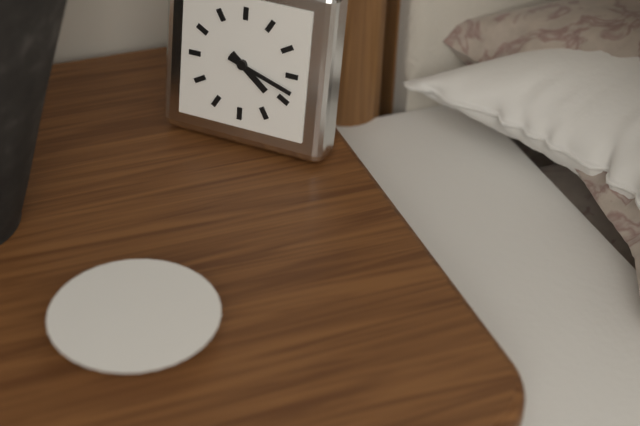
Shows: 4 h 18 min
